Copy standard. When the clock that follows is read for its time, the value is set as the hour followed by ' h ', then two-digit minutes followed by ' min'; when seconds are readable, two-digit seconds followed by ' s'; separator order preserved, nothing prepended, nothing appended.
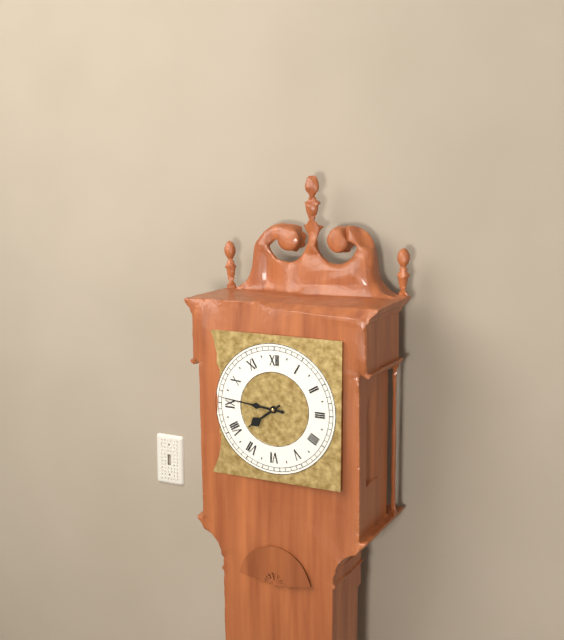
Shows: 7 h 46 min
